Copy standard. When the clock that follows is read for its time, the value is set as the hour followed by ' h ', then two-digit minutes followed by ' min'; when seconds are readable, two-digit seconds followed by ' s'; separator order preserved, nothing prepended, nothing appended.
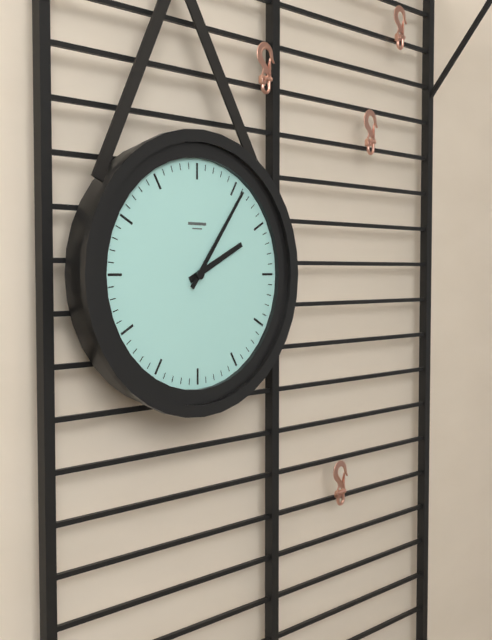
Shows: 2 h 06 min
